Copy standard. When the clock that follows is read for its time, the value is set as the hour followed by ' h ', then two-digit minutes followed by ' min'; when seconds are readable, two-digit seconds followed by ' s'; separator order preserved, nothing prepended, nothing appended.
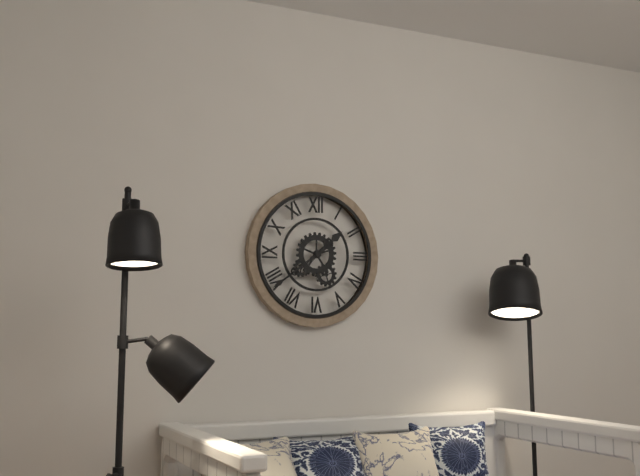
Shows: 1 h 39 min
